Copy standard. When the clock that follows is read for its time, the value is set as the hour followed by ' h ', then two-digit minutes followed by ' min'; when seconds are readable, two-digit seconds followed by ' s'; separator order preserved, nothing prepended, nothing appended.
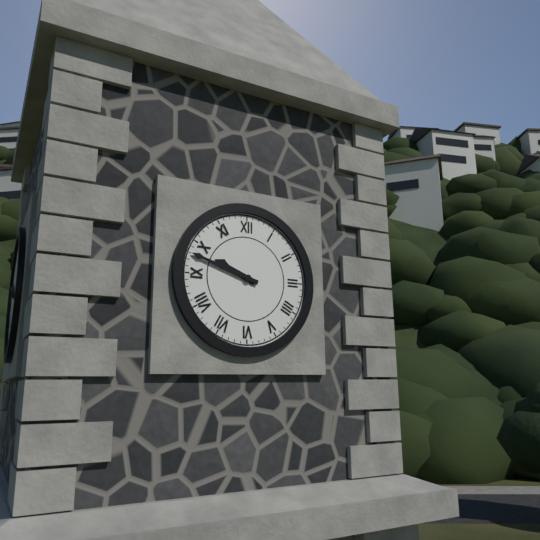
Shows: 9 h 48 min
